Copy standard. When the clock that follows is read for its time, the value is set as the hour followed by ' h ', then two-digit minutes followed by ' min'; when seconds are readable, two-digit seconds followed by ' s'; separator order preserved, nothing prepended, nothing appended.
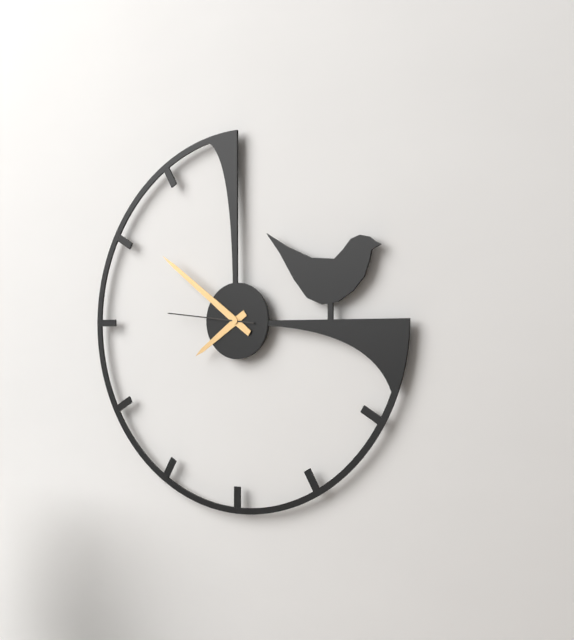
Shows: 7 h 51 min 46 s
